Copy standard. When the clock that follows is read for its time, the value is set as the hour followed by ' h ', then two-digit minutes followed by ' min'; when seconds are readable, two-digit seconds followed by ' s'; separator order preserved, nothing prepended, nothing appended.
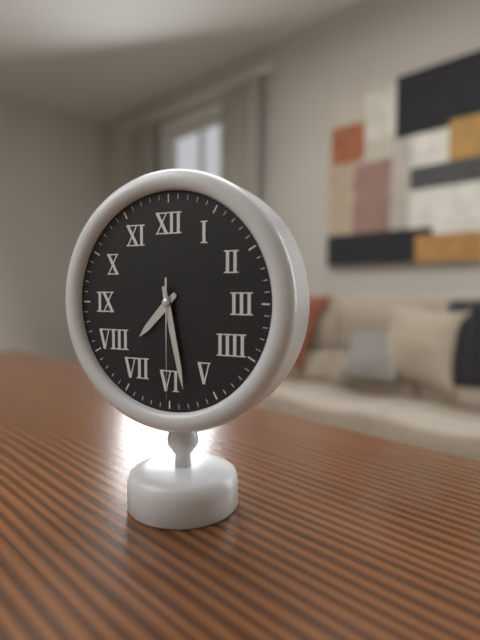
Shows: 7 h 28 min 30 s
